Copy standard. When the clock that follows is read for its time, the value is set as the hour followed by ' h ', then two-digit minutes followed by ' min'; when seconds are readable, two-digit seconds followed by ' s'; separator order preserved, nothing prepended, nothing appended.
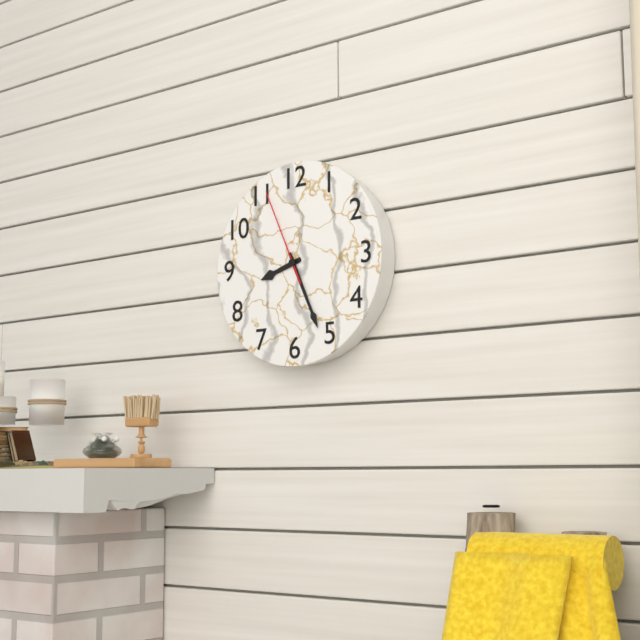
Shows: 8 h 26 min 56 s
